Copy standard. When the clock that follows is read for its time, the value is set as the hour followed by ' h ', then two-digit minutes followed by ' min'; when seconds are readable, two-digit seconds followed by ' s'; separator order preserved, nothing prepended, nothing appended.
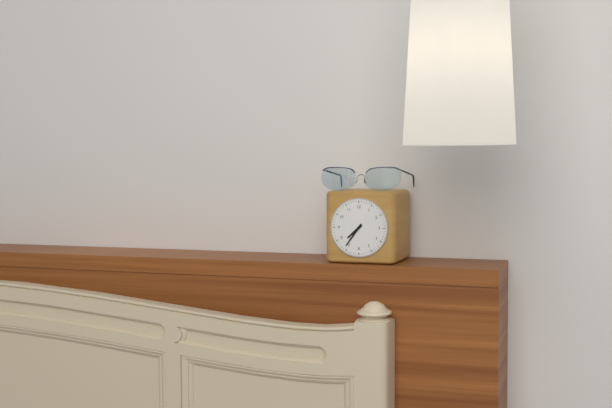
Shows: 7 h 36 min
